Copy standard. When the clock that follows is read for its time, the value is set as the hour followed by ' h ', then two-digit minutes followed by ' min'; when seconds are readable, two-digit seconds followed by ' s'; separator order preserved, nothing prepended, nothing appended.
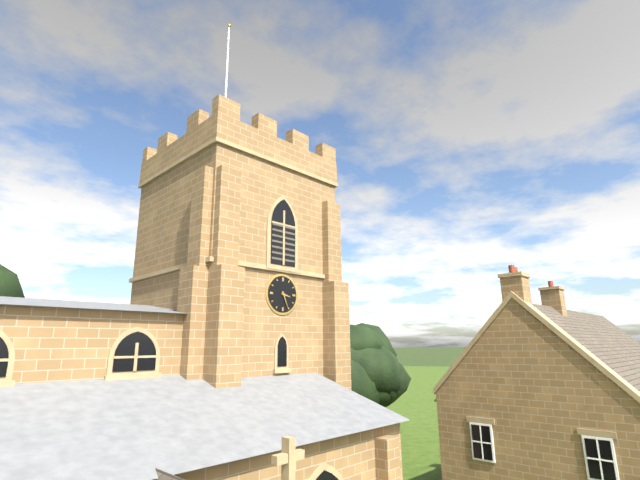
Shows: 3 h 26 min
